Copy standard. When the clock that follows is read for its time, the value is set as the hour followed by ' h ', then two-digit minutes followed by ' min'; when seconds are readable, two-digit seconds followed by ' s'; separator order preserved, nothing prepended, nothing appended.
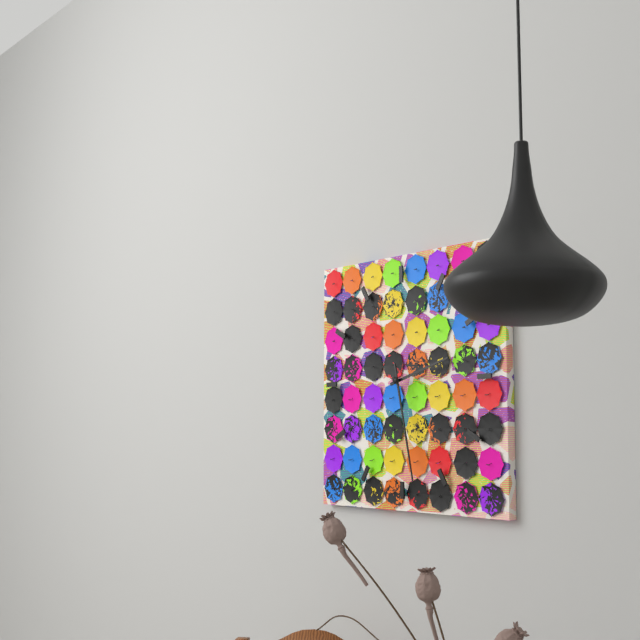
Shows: 2 h 28 min
